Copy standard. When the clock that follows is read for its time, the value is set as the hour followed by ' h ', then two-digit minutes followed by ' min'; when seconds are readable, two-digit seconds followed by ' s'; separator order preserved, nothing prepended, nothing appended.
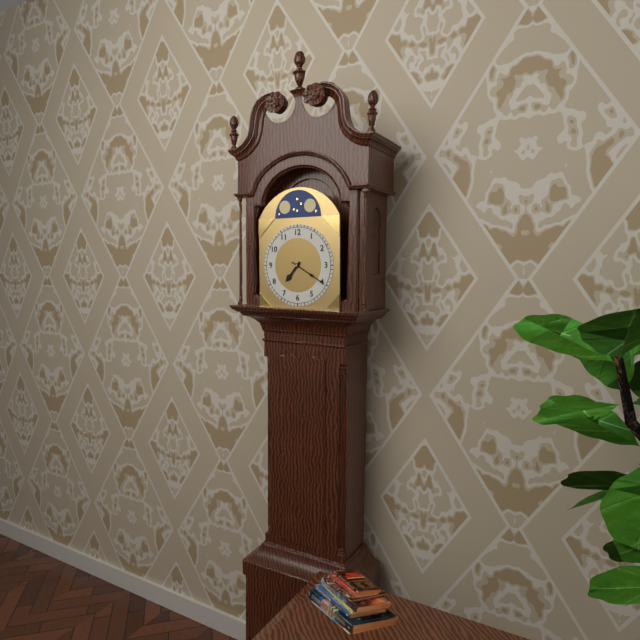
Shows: 7 h 20 min
